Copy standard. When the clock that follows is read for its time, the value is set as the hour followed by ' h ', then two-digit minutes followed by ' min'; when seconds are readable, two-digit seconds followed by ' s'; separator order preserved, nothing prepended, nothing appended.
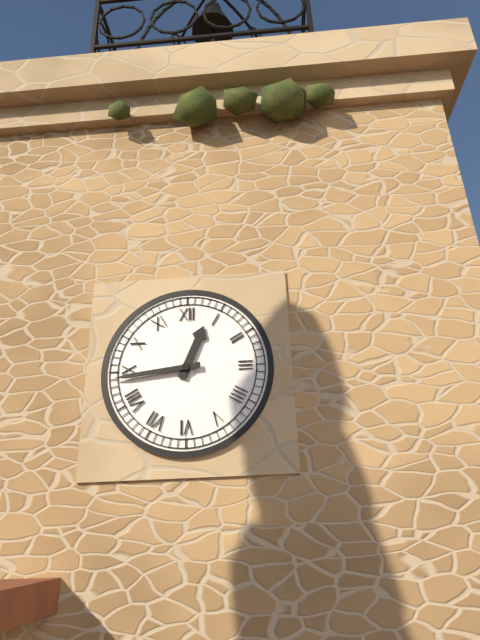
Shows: 12 h 44 min
